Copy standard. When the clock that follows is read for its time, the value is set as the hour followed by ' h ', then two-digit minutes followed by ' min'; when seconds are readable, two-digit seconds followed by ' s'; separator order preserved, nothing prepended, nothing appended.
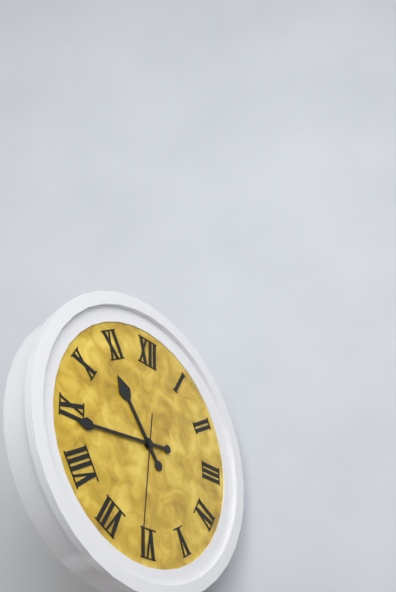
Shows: 10 h 44 min 31 s
